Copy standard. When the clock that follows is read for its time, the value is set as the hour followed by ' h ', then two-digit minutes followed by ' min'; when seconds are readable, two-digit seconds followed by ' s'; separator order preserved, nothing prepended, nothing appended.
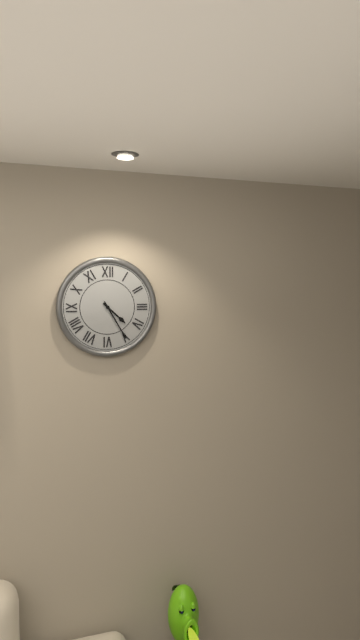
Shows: 4 h 25 min
